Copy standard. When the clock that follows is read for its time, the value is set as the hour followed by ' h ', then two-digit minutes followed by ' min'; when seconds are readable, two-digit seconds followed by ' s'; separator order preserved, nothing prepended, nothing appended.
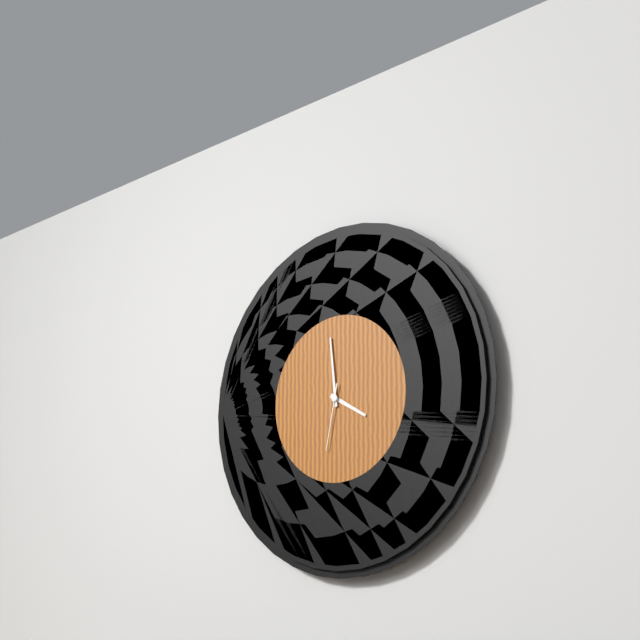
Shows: 3 h 59 min 32 s
